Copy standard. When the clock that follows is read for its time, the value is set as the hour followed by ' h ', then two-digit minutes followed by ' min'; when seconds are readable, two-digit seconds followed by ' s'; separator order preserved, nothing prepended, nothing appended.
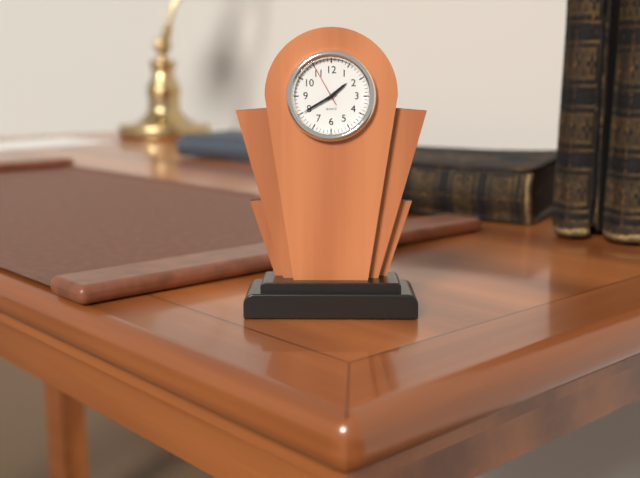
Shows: 1 h 40 min
